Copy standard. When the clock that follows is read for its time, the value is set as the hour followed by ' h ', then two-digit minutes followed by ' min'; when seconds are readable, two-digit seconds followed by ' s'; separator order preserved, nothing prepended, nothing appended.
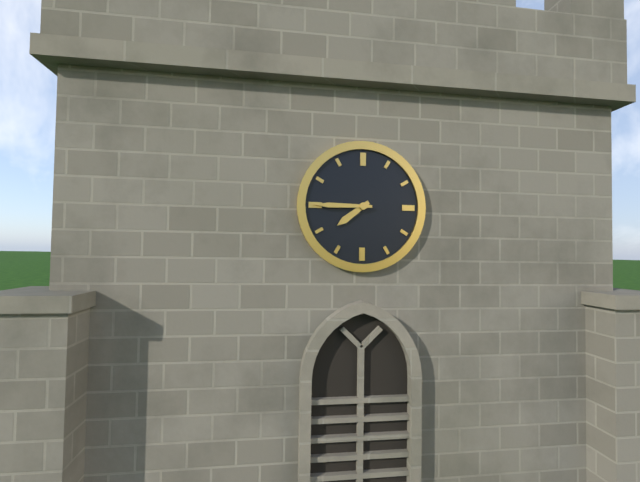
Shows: 7 h 45 min
